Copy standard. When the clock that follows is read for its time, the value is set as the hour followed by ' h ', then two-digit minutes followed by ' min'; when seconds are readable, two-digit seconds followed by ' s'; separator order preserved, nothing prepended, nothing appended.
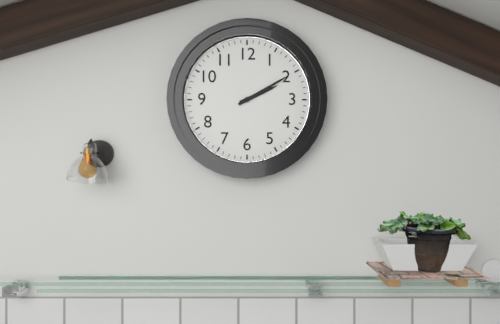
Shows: 2 h 10 min
